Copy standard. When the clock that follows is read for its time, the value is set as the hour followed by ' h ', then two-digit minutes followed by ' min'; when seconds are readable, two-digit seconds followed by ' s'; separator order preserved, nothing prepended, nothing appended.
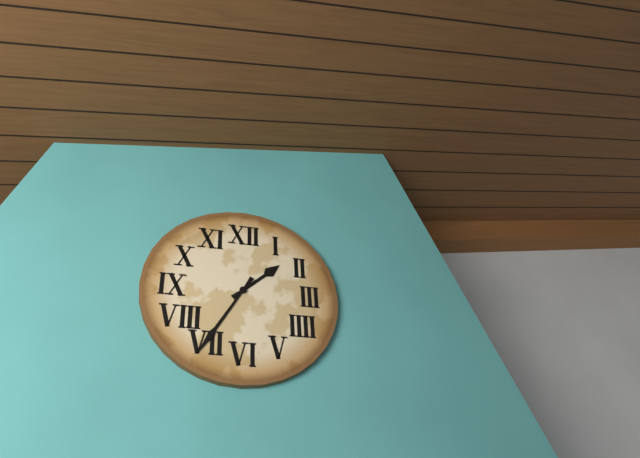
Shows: 1 h 35 min
